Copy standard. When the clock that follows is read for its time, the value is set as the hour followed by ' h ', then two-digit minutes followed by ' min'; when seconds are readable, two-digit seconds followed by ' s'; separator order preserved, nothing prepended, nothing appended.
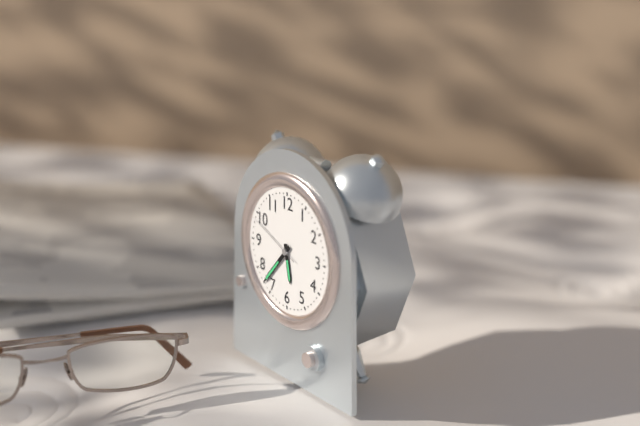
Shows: 5 h 37 min 49 s
